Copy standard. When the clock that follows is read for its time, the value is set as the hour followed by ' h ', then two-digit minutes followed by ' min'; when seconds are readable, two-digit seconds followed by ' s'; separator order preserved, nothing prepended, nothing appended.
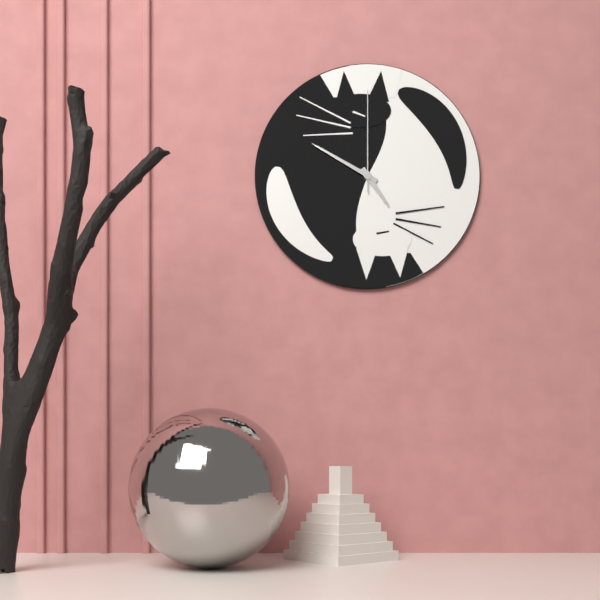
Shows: 4 h 50 min 00 s
